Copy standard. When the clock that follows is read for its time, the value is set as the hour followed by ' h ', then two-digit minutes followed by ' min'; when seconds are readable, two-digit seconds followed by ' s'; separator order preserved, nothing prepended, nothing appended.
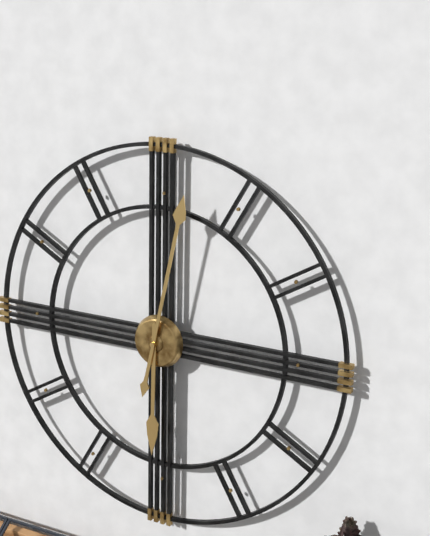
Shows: 6 h 02 min
